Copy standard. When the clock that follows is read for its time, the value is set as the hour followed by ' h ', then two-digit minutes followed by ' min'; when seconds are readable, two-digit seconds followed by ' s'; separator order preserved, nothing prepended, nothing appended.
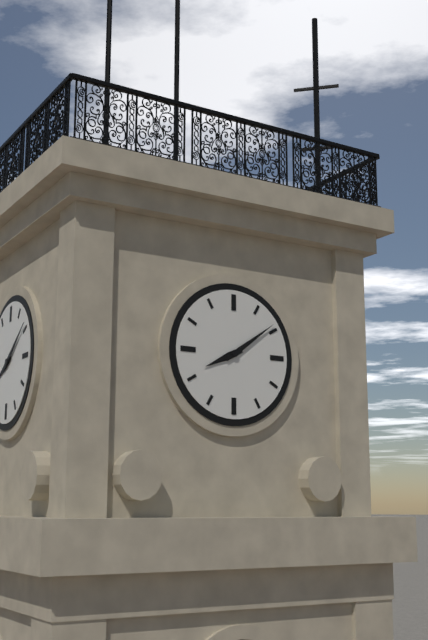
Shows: 8 h 09 min
